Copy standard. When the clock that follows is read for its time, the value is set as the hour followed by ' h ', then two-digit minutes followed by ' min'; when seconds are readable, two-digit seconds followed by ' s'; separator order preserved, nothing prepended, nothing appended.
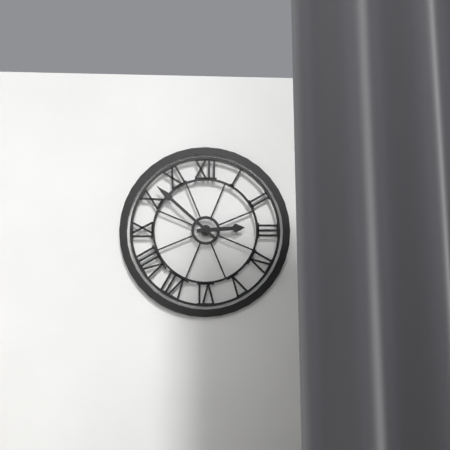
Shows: 2 h 52 min
